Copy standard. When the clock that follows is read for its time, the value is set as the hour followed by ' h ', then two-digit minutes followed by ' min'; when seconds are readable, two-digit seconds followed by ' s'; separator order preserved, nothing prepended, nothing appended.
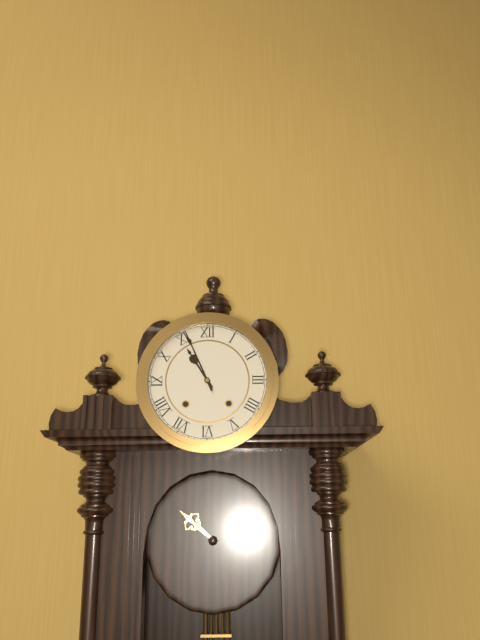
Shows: 10 h 56 min
